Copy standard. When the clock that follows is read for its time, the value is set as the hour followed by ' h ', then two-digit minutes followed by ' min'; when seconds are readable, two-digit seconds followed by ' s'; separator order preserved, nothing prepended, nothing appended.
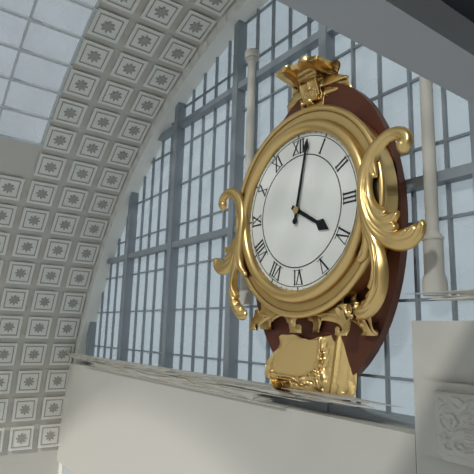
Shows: 4 h 02 min
